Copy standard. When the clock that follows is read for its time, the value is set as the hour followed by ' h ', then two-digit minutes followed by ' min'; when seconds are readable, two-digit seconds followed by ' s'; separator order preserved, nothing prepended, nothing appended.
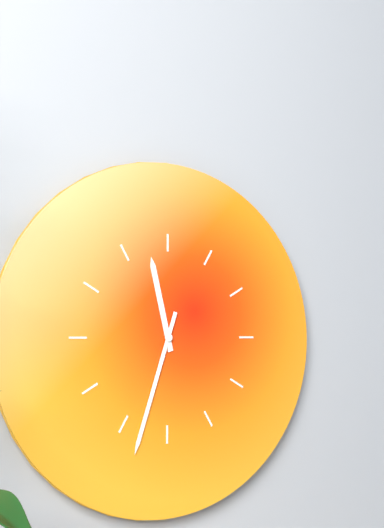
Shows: 11 h 33 min
